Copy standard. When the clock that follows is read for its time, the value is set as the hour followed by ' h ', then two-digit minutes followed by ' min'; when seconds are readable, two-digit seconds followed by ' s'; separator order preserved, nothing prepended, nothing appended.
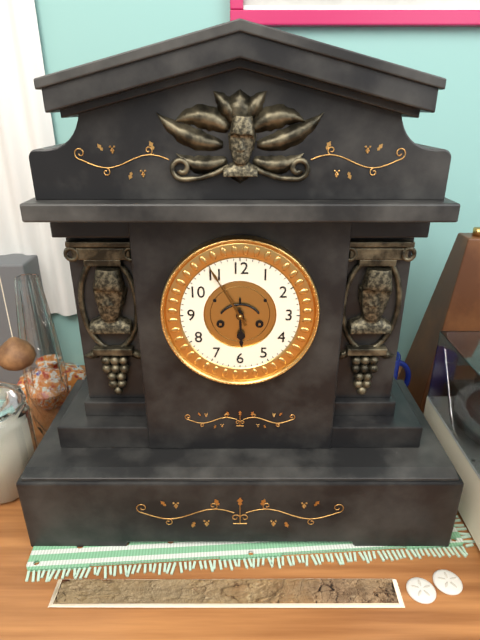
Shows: 5 h 55 min
